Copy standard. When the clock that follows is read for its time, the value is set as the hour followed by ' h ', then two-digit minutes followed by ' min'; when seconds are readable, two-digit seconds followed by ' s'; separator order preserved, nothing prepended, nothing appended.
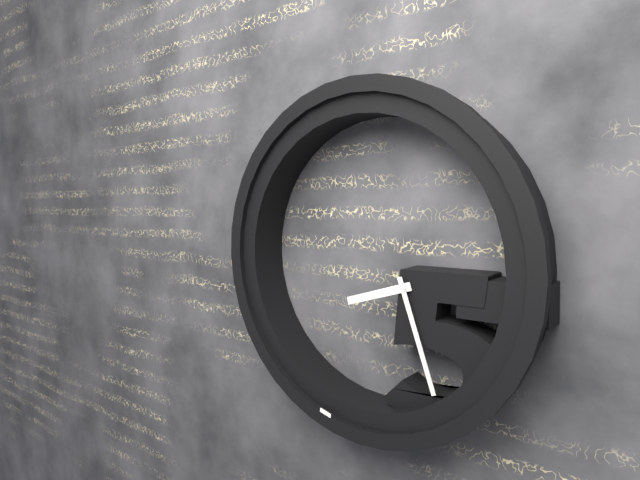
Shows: 8 h 27 min
